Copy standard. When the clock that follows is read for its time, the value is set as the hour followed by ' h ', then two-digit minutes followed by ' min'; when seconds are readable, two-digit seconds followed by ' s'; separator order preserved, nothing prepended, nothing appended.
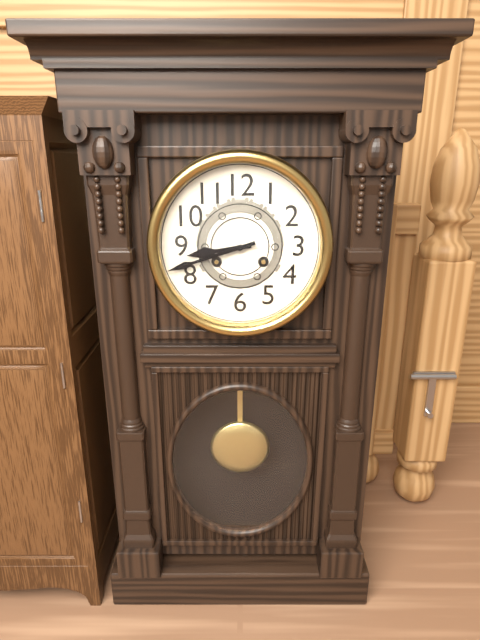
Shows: 8 h 42 min
